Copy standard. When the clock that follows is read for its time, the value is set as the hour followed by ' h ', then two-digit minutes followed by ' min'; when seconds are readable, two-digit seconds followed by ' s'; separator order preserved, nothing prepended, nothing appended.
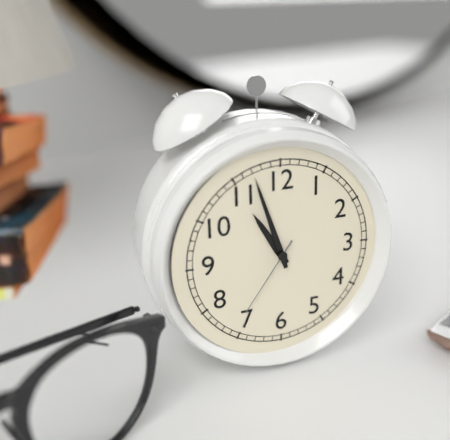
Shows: 10 h 57 min 36 s
